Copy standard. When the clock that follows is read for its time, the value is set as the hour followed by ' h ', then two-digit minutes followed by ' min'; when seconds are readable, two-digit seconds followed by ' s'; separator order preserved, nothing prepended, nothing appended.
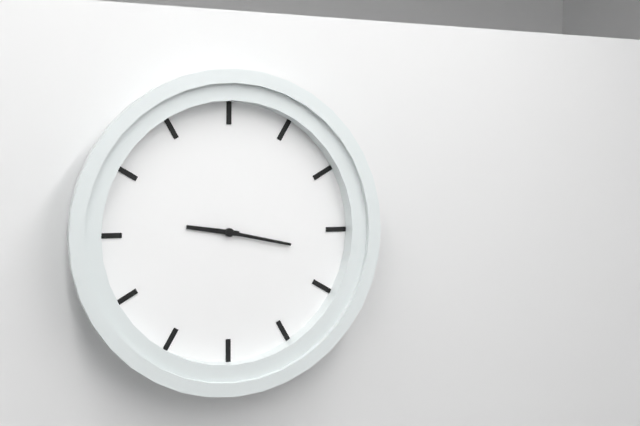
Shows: 9 h 17 min
